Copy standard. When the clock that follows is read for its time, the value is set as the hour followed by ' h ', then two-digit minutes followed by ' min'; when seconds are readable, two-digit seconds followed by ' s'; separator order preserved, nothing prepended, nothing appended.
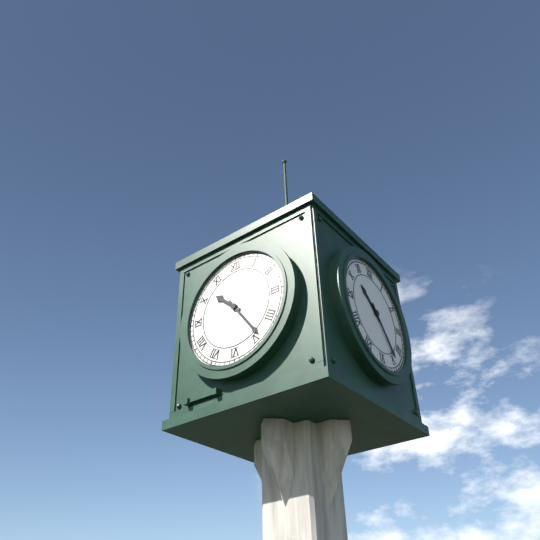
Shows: 10 h 24 min
